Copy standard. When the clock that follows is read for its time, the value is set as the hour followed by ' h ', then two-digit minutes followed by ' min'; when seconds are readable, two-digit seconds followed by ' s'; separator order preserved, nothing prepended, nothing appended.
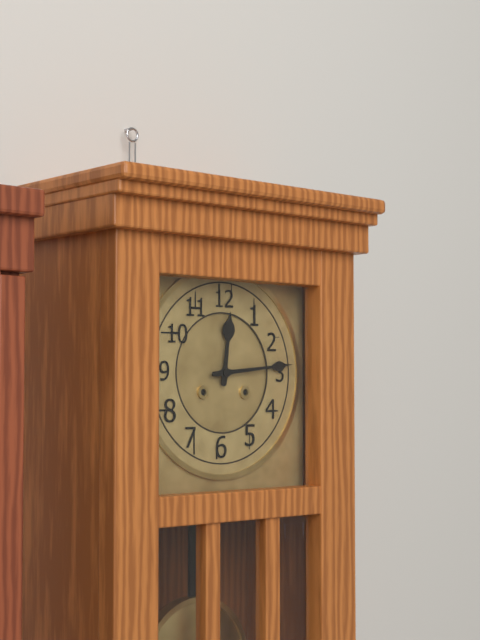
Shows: 12 h 14 min
